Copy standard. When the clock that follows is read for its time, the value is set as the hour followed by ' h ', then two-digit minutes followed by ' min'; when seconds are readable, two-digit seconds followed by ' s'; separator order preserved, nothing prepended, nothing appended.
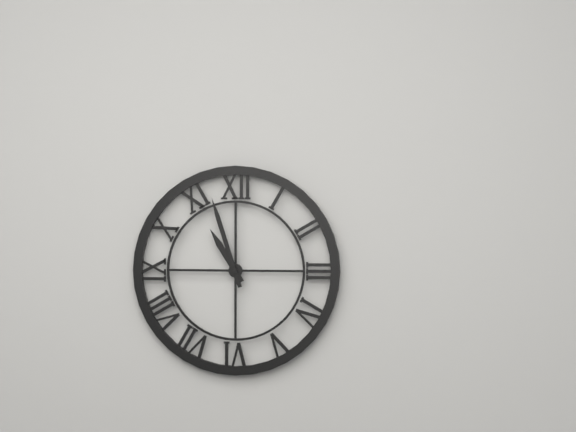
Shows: 10 h 57 min
